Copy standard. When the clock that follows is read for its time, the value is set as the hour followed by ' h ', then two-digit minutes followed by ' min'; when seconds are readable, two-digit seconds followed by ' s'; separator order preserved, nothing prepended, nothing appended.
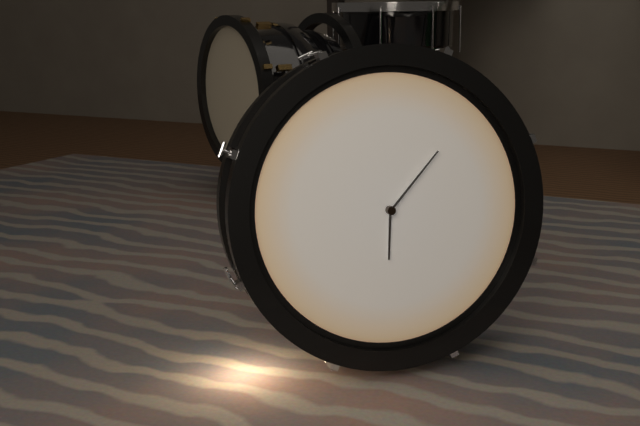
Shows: 6 h 07 min
